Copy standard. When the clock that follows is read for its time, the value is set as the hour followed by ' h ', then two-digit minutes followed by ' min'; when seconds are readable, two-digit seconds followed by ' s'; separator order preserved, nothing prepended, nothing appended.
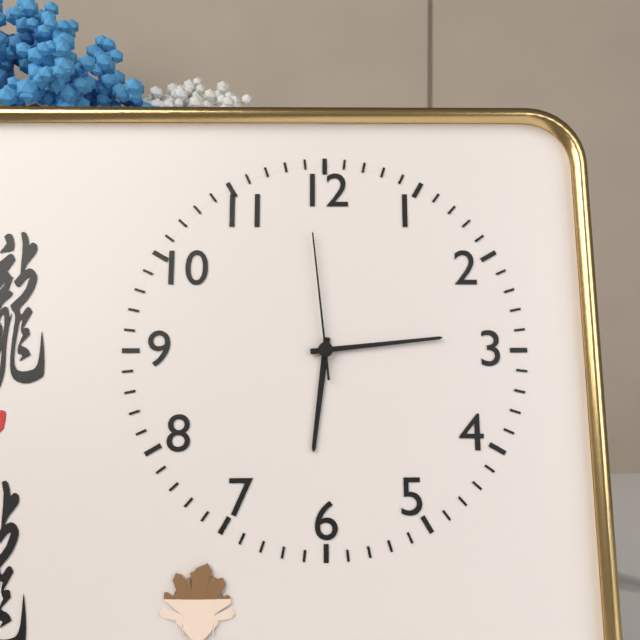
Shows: 6 h 14 min 59 s
